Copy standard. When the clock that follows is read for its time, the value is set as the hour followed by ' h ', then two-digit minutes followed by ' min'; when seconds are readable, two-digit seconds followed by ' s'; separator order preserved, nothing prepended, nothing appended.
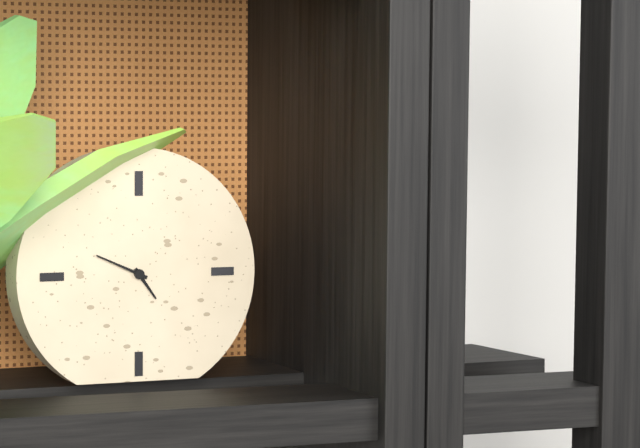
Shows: 4 h 49 min
